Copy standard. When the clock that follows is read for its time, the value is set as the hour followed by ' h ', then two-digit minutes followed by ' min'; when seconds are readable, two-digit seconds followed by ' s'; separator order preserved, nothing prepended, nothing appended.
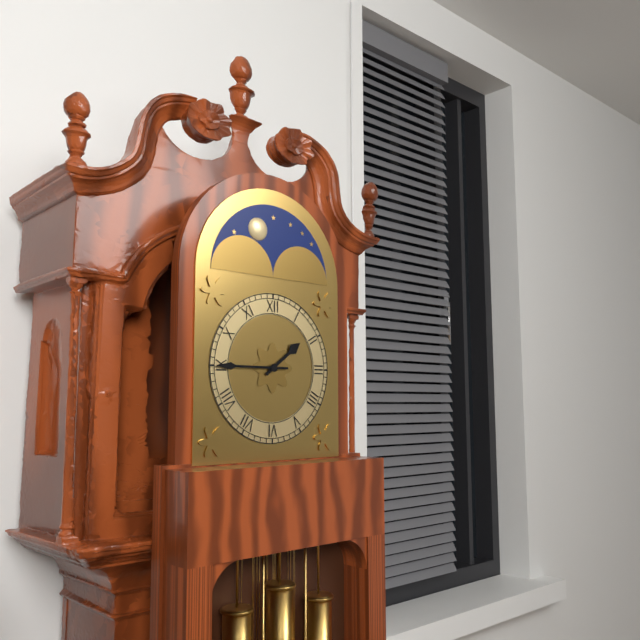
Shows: 1 h 45 min
